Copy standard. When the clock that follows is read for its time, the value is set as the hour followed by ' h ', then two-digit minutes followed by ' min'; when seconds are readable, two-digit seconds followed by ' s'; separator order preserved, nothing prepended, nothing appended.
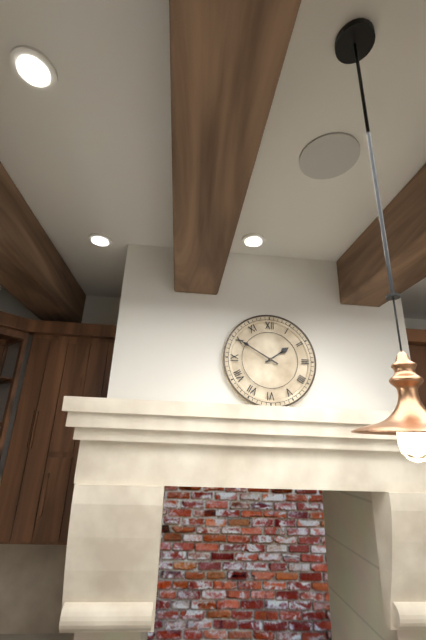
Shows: 1 h 50 min
